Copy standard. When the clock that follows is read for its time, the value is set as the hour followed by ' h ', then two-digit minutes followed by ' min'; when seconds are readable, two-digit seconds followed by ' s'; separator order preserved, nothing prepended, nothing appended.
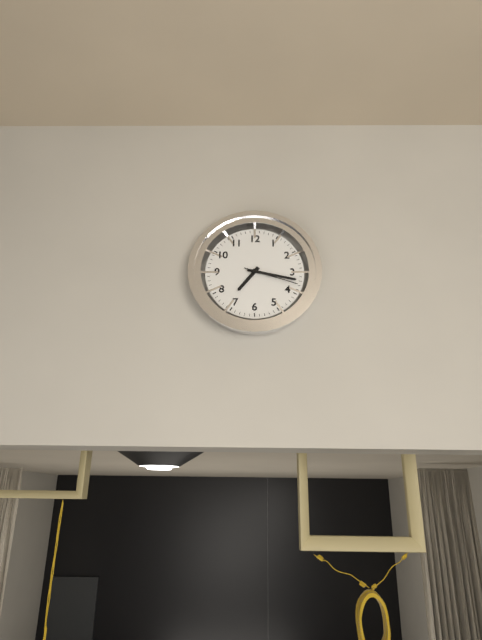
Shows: 7 h 17 min 18 s
